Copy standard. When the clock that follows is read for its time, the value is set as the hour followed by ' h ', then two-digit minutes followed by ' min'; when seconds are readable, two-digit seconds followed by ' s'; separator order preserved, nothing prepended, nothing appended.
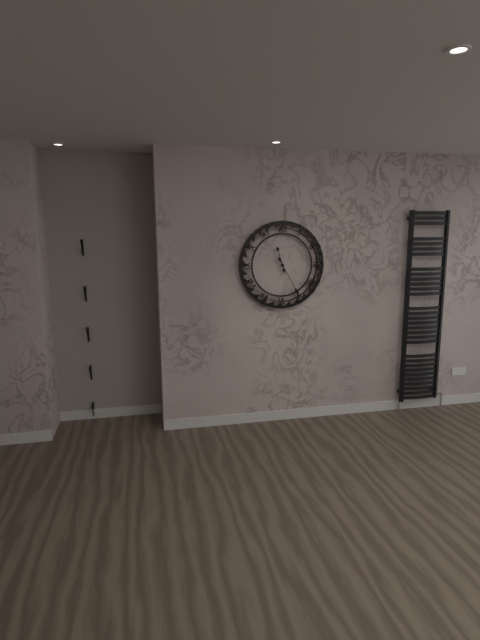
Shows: 11 h 25 min
